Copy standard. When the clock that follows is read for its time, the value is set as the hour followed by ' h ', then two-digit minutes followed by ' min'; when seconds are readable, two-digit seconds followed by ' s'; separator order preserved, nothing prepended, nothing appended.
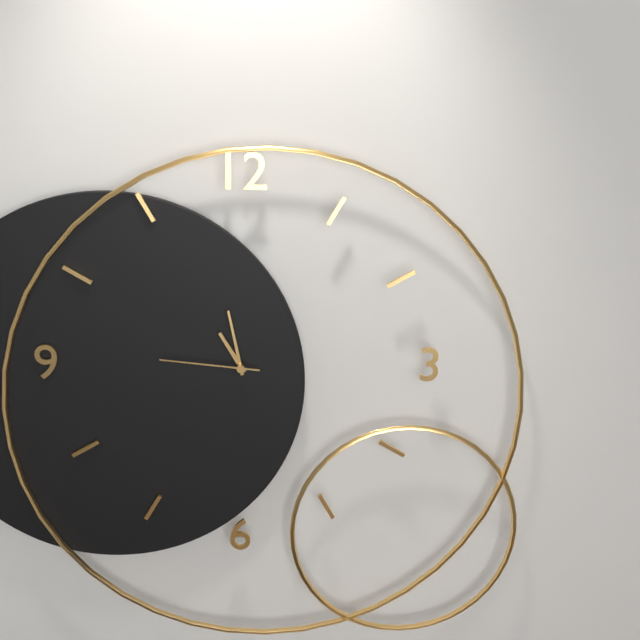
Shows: 10 h 58 min 46 s
